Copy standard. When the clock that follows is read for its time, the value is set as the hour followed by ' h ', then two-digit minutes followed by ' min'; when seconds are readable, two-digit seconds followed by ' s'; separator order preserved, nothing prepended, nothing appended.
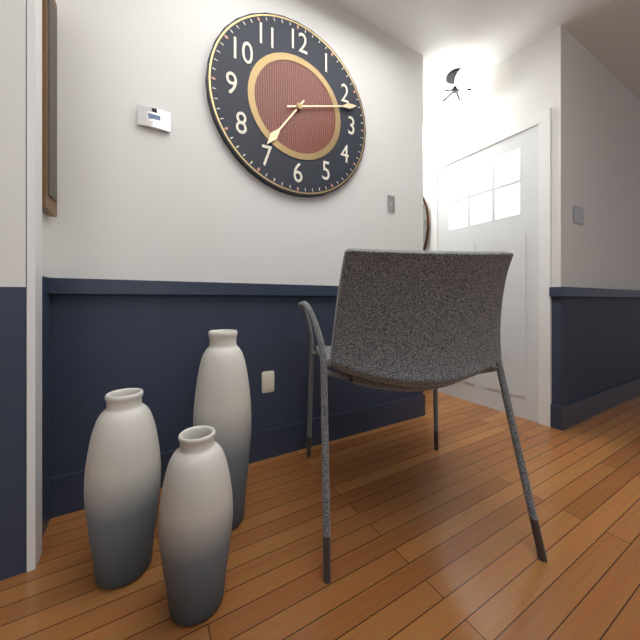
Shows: 7 h 12 min
